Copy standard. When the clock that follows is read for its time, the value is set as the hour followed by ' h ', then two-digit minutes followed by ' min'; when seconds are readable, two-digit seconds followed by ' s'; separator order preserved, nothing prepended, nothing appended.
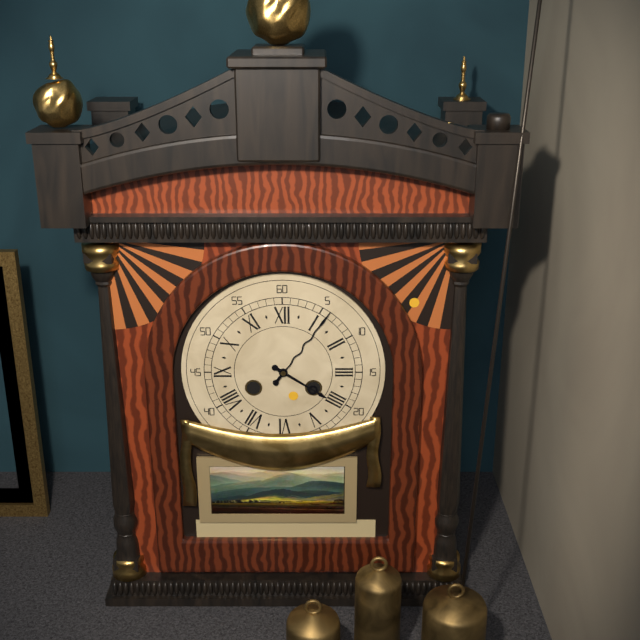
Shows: 4 h 06 min
